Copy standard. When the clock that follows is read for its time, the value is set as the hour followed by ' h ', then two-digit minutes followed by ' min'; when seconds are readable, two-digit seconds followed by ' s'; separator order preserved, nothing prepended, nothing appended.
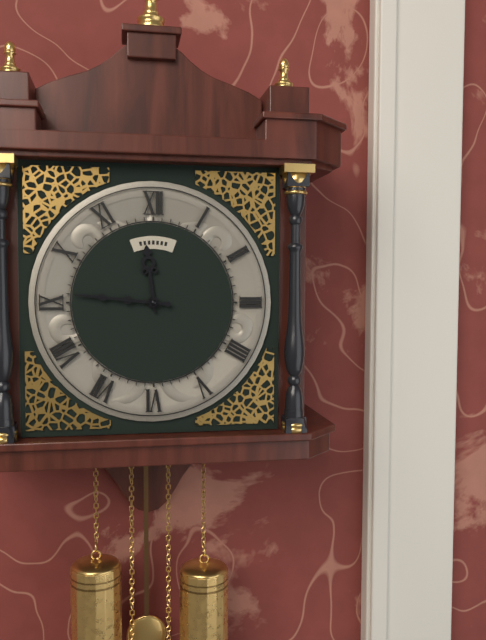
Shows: 11 h 46 min
